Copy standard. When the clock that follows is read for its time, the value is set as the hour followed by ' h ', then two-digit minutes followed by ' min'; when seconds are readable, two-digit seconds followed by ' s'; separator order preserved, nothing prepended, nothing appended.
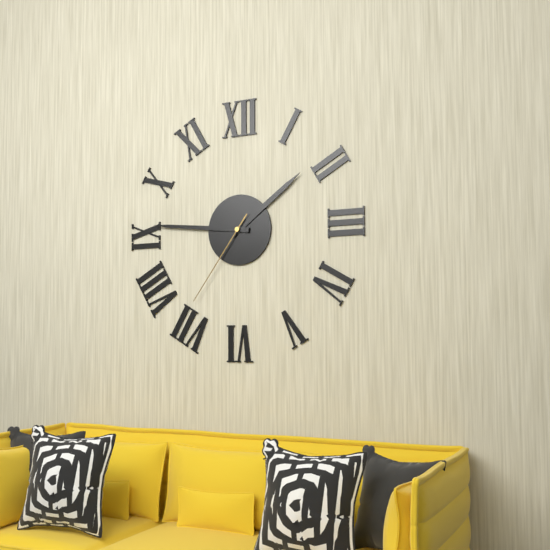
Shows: 1 h 46 min 36 s
